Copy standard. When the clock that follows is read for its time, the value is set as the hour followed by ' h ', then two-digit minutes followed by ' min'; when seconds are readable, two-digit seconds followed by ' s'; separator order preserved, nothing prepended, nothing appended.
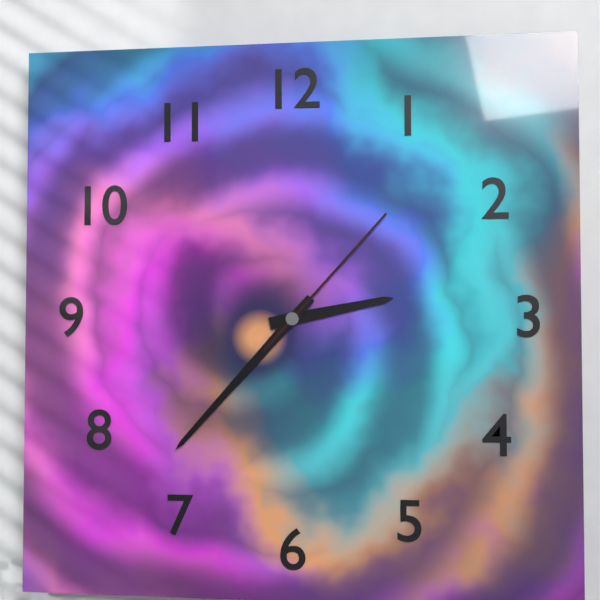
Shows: 2 h 37 min 07 s
